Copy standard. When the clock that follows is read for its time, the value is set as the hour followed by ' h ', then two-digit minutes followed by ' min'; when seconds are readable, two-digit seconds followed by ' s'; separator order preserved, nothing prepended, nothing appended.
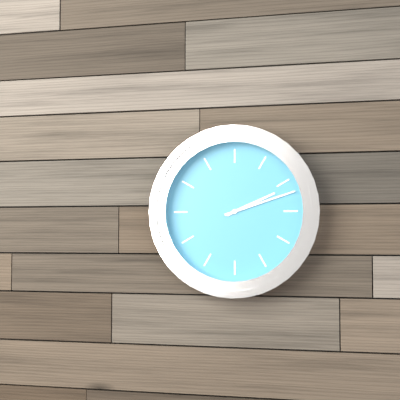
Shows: 2 h 12 min
